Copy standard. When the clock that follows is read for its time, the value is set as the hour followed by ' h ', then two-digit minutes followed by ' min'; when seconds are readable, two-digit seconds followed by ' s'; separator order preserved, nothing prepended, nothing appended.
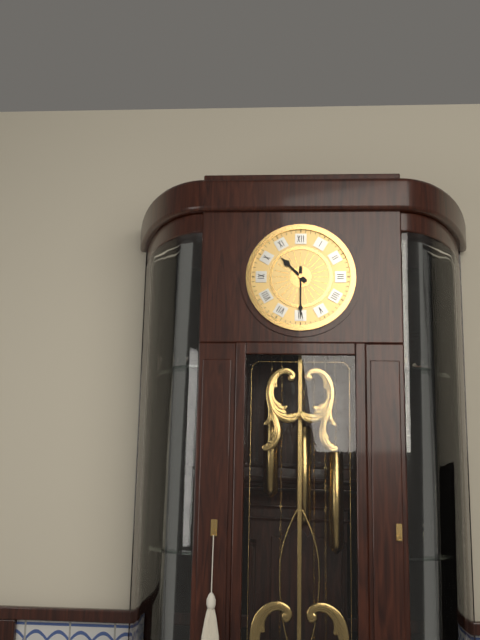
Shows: 10 h 30 min
